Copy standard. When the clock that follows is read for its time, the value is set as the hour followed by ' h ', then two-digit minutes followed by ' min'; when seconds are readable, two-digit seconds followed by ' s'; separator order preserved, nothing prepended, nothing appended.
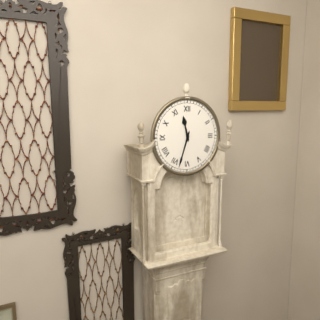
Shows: 11 h 33 min
